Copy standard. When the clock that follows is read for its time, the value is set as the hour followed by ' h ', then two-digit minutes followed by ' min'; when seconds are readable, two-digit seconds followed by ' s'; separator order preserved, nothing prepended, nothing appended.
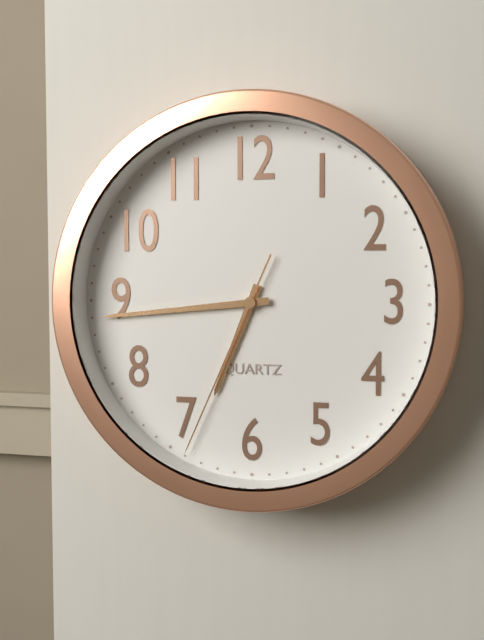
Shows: 6 h 44 min 34 s
